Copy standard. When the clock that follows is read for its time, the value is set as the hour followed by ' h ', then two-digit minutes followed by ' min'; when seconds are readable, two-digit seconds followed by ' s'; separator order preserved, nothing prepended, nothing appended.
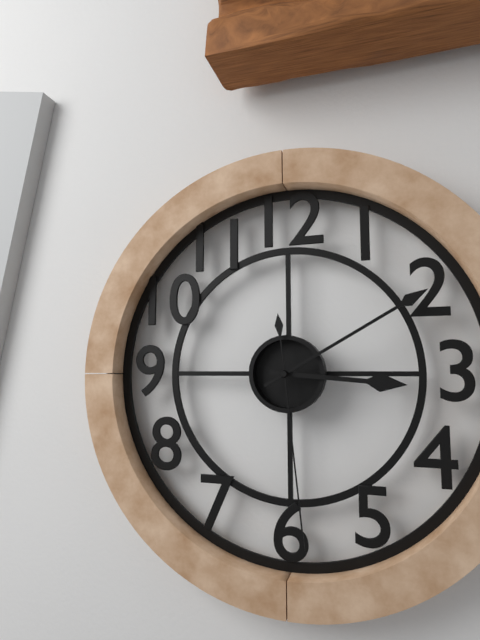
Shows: 3 h 10 min 29 s
